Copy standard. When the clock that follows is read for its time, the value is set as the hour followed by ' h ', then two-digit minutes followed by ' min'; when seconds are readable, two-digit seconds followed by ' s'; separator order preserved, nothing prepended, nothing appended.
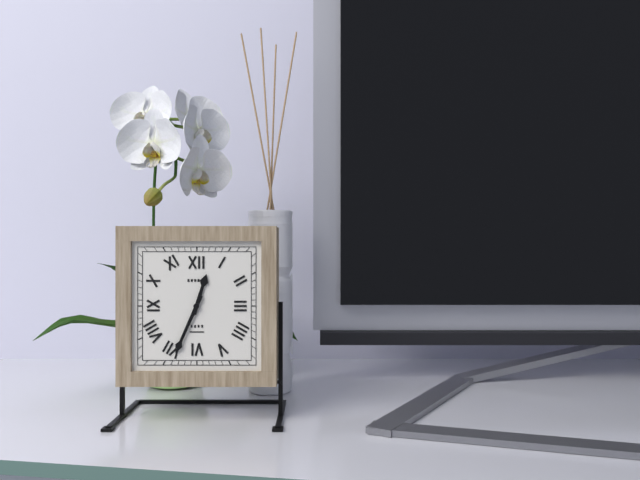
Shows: 12 h 34 min
